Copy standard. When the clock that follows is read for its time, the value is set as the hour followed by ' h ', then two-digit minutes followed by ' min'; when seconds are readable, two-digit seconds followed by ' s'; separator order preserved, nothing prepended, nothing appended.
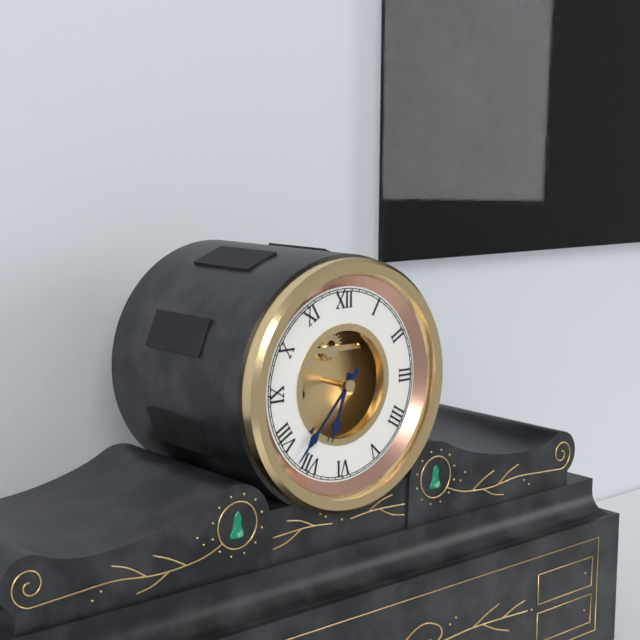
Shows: 6 h 37 min
